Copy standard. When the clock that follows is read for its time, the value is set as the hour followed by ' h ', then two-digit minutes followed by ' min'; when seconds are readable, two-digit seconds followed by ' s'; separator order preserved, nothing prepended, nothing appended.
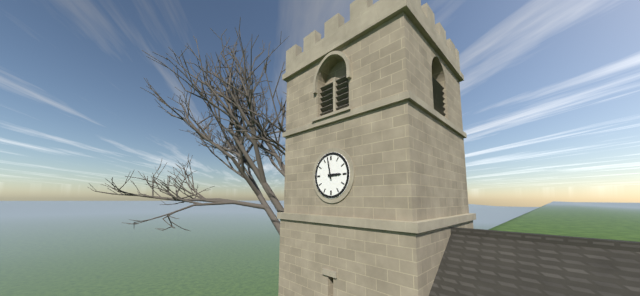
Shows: 2 h 58 min
